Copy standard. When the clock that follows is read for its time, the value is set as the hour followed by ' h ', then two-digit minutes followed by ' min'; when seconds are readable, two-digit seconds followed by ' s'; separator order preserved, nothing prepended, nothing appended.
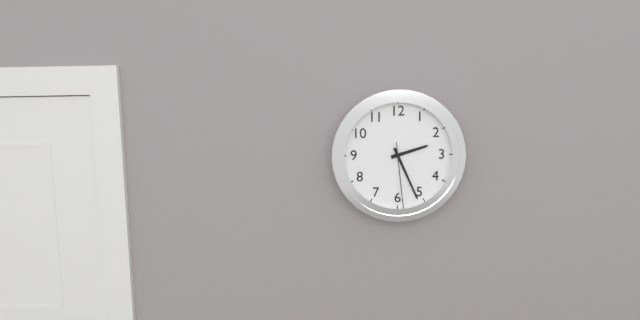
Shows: 2 h 26 min 29 s
